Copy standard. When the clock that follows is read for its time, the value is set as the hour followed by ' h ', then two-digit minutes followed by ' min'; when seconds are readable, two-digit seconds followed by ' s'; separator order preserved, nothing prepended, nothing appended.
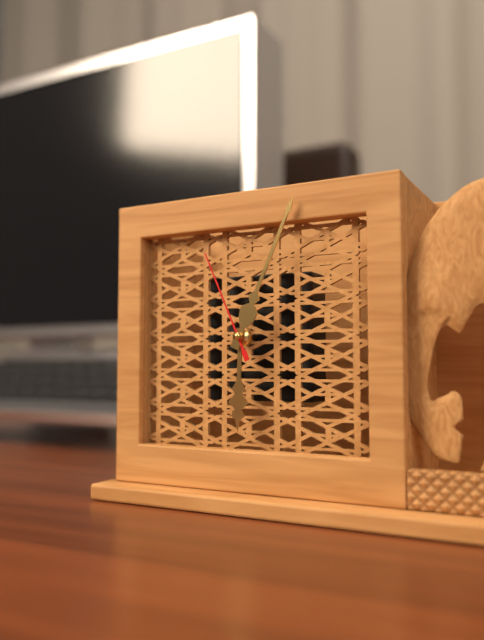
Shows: 6 h 04 min 56 s
